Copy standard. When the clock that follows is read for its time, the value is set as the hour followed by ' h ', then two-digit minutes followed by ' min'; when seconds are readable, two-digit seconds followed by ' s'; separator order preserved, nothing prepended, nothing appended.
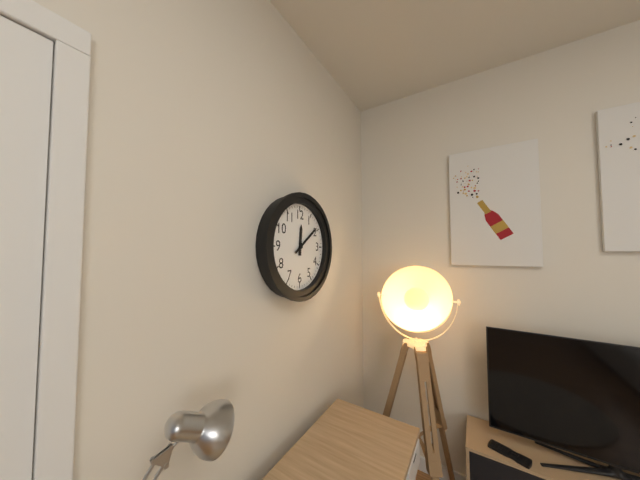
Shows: 12 h 09 min
